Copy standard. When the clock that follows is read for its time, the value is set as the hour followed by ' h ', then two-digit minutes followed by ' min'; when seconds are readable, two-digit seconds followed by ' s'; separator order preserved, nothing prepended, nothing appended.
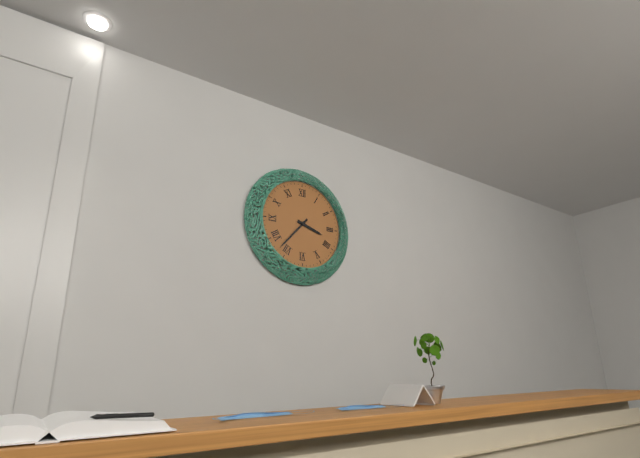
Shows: 3 h 37 min
